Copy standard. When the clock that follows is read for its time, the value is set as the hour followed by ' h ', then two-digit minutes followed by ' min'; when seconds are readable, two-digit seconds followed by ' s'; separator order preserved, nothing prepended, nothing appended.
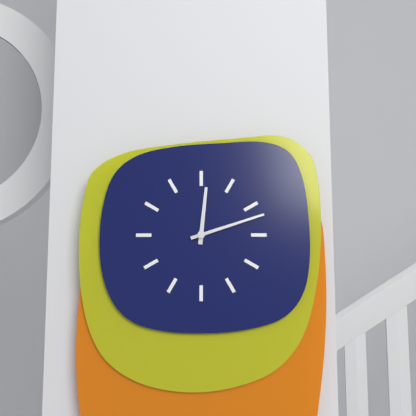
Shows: 12 h 12 min
